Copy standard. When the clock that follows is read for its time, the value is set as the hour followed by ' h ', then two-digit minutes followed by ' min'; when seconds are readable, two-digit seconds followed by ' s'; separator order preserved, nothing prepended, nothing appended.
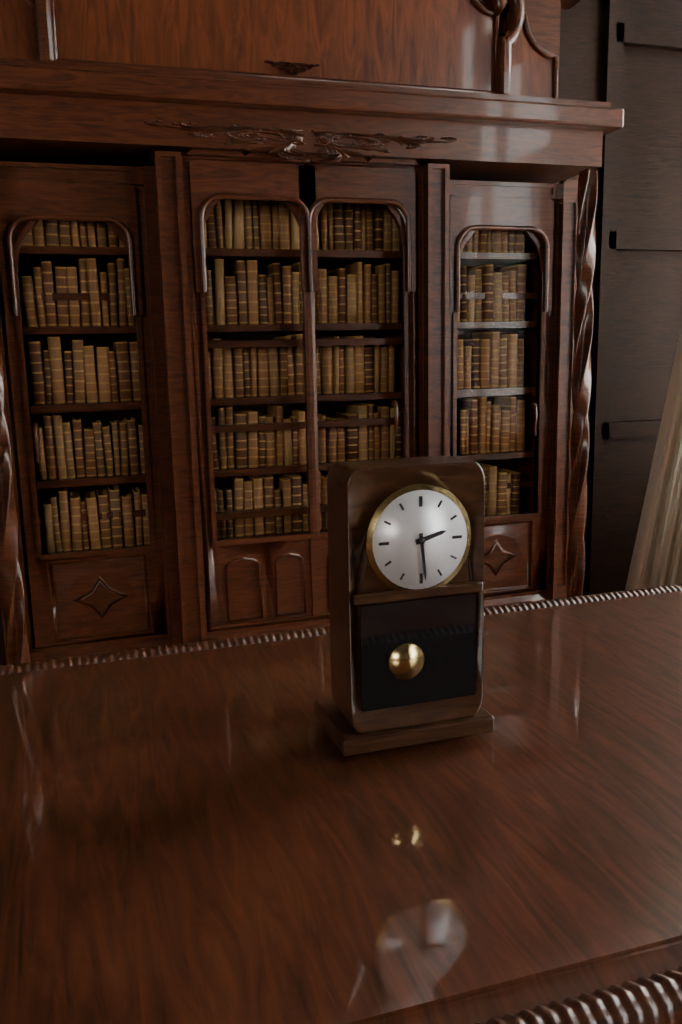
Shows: 2 h 29 min
